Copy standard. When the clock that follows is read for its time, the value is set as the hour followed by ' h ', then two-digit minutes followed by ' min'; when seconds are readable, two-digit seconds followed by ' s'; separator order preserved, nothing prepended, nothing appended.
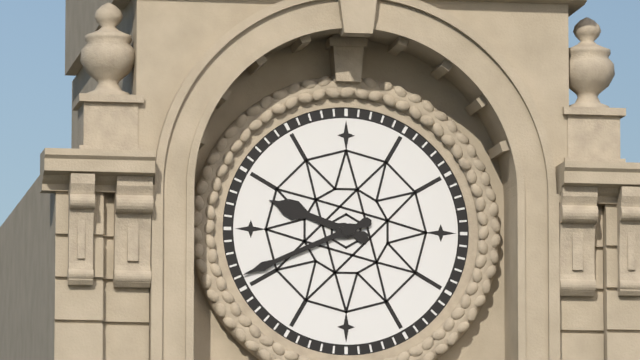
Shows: 9 h 41 min
